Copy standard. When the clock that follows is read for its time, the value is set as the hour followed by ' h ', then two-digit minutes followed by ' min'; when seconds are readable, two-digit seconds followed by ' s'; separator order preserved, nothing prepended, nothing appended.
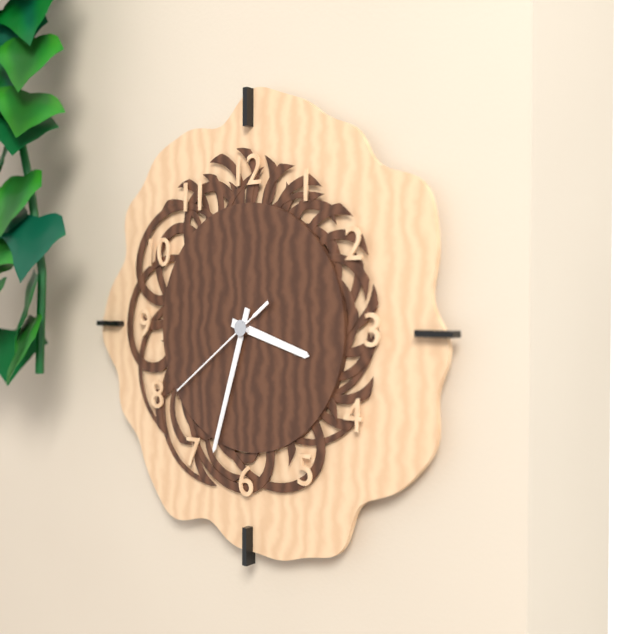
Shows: 3 h 33 min 39 s
